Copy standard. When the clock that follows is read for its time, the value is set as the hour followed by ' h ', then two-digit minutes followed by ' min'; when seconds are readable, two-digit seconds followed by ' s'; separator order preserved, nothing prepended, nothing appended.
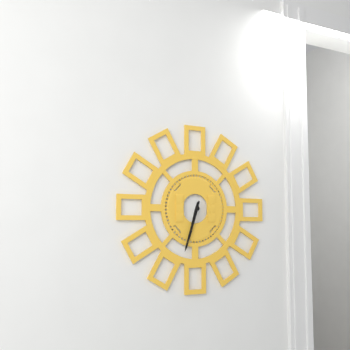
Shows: 6 h 33 min
